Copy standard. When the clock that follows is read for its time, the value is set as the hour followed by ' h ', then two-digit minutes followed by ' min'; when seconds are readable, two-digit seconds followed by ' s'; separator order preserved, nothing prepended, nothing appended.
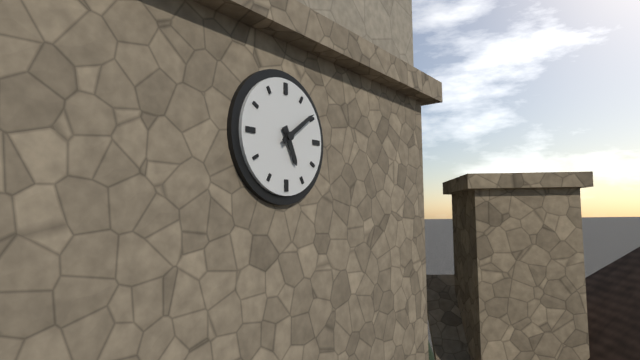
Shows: 5 h 09 min
